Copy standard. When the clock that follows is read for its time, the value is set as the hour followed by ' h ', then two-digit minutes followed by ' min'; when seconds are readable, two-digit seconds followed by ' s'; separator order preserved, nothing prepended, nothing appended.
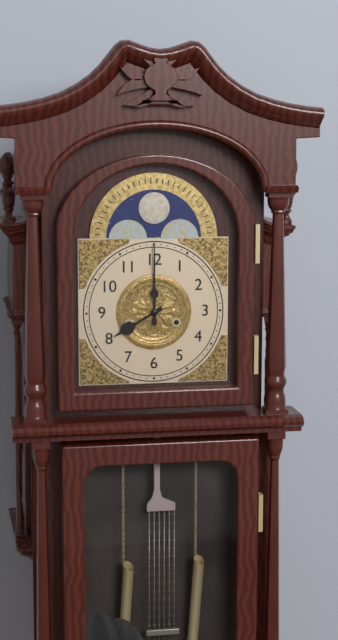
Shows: 8 h 00 min
